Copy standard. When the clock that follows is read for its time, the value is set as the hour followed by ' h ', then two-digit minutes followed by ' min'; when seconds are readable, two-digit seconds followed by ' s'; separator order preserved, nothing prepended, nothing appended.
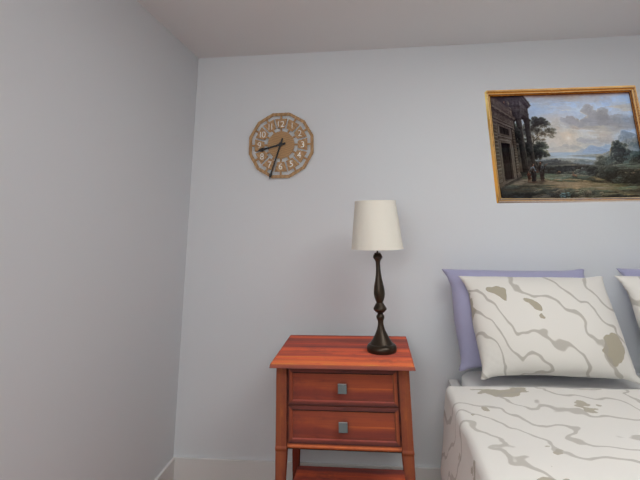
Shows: 8 h 33 min
